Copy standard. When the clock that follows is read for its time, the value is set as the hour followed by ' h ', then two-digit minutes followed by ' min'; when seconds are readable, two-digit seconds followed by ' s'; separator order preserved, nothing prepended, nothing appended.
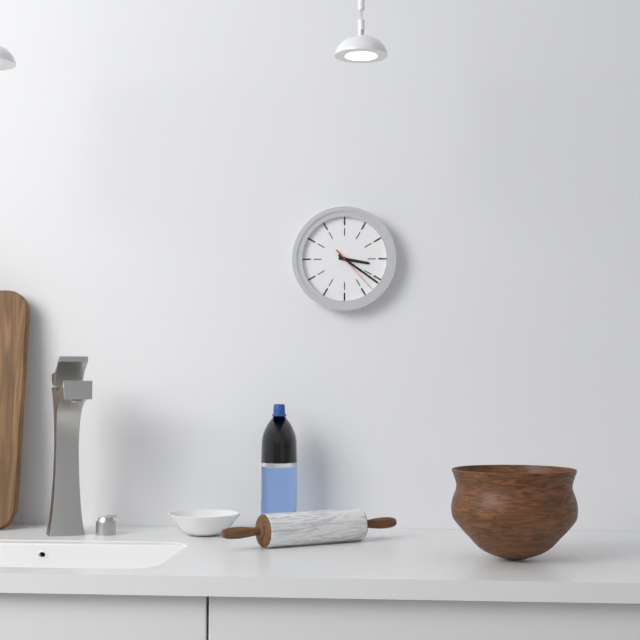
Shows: 3 h 21 min 23 s
